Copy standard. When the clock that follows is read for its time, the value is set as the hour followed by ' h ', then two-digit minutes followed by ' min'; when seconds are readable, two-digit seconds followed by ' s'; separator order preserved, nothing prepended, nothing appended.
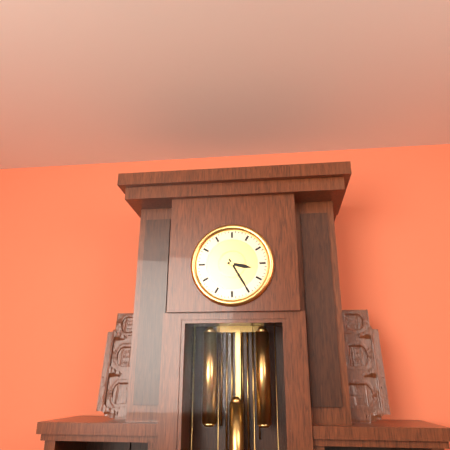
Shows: 3 h 25 min
